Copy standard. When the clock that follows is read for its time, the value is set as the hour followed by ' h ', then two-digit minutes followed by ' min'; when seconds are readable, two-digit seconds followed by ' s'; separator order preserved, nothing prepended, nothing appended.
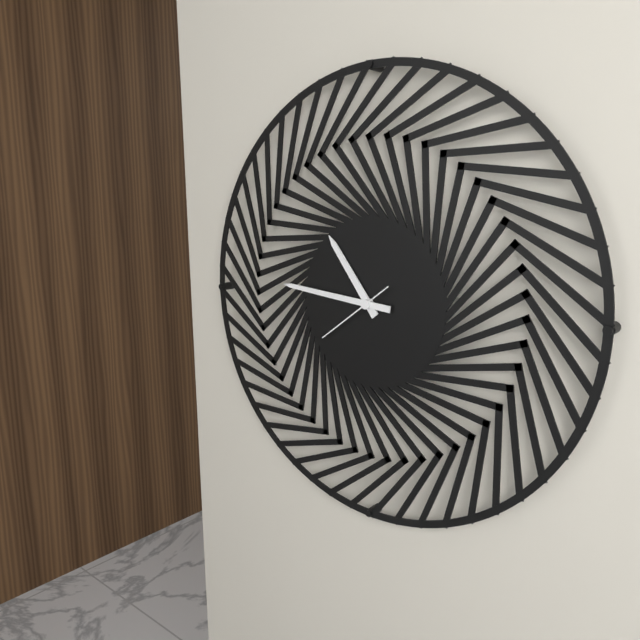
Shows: 10 h 46 min 39 s
